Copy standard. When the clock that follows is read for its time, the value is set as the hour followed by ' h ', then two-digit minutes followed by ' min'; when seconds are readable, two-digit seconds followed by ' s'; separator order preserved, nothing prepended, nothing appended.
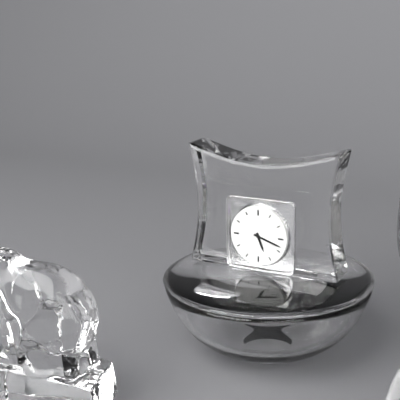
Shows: 5 h 18 min
